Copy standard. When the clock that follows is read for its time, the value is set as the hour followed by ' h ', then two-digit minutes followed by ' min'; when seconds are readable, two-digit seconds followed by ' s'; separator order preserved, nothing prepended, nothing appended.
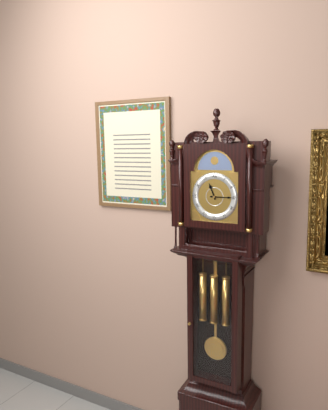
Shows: 11 h 15 min
